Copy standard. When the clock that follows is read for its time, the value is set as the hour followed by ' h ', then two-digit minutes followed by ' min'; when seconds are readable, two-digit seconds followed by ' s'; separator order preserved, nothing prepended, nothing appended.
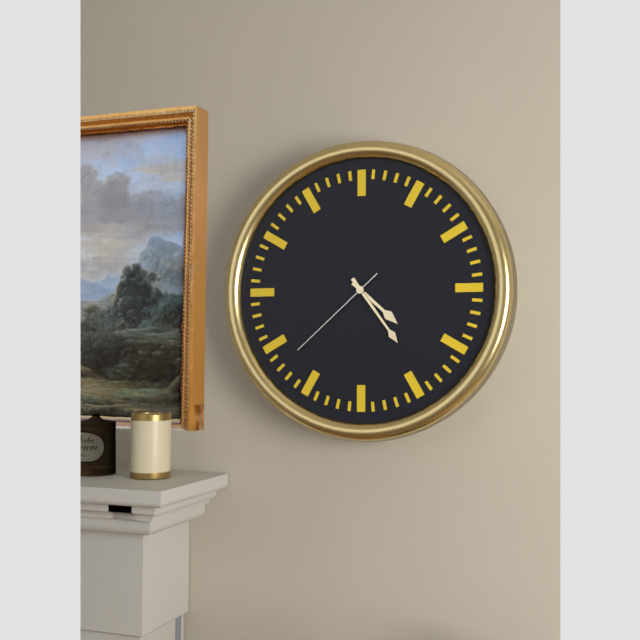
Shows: 4 h 24 min 38 s
